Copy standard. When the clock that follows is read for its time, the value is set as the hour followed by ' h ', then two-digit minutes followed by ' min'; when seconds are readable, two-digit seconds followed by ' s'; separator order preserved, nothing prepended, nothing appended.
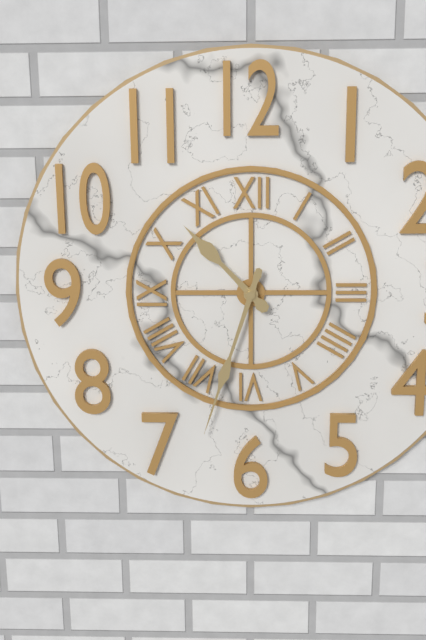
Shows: 10 h 33 min
